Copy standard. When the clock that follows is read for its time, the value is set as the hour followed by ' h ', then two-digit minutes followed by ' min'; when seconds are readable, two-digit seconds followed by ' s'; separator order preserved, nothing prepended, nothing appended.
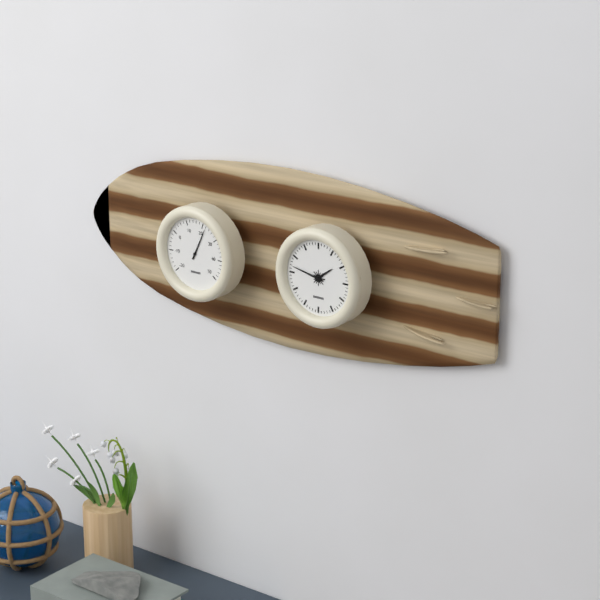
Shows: 1 h 47 min
